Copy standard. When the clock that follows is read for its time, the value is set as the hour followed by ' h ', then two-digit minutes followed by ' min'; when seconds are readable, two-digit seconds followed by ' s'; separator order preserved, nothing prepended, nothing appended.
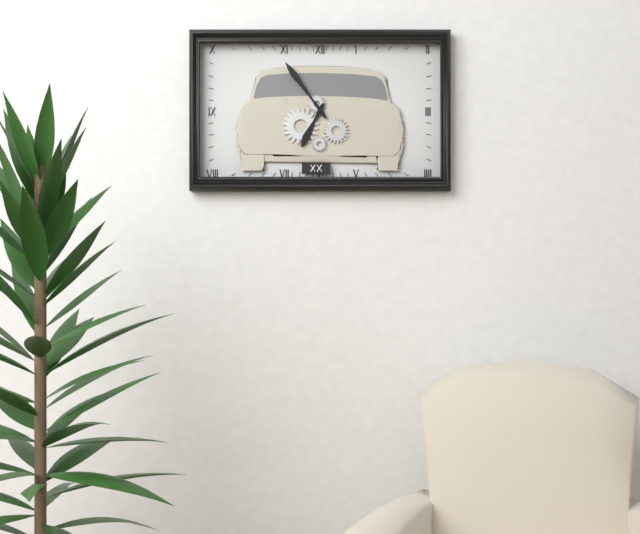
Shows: 6 h 54 min
